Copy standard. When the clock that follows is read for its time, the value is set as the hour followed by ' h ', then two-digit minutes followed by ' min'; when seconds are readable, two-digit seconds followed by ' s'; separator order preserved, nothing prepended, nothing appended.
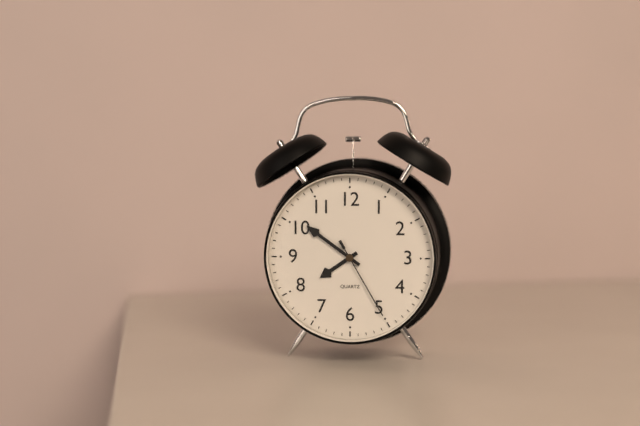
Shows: 7 h 51 min 25 s
